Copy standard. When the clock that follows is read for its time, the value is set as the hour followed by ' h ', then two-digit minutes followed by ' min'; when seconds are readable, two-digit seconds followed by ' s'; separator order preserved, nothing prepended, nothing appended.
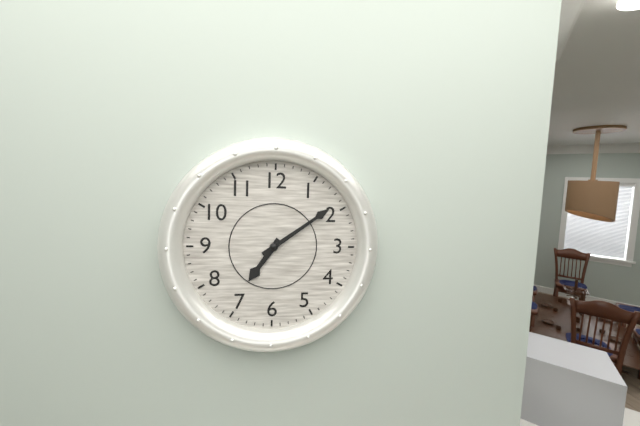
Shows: 7 h 09 min
